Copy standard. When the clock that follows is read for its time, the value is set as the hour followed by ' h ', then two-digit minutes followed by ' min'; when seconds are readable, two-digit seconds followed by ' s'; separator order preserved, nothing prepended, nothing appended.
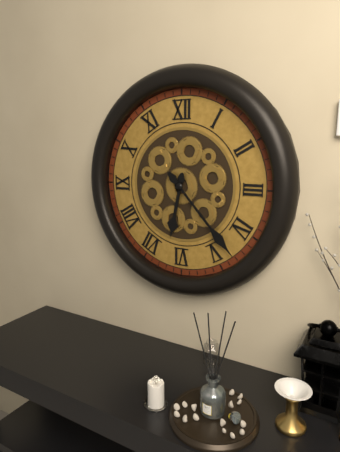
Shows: 6 h 23 min
